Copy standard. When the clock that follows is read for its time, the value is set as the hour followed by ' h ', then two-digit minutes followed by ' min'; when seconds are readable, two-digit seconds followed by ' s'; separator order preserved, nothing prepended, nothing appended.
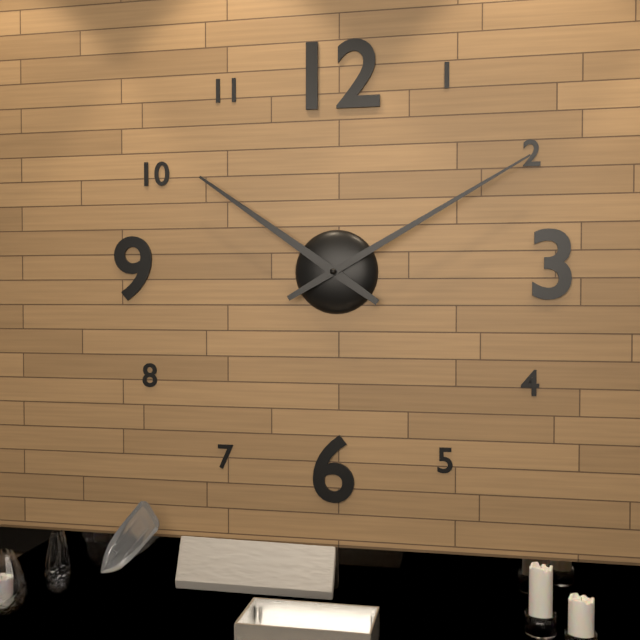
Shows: 10 h 10 min
